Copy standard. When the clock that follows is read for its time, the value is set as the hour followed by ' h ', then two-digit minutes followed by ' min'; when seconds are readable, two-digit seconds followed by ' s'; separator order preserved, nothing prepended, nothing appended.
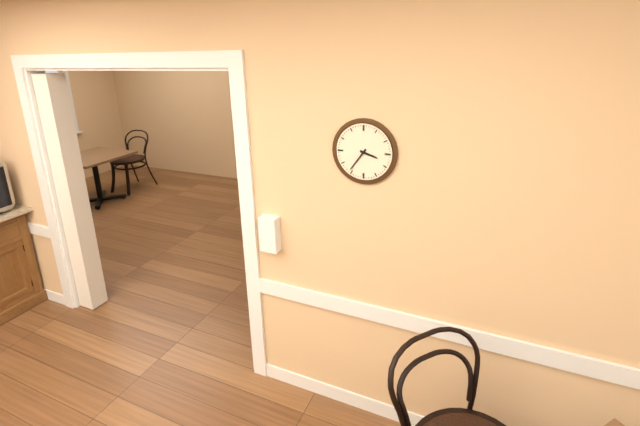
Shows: 3 h 36 min
